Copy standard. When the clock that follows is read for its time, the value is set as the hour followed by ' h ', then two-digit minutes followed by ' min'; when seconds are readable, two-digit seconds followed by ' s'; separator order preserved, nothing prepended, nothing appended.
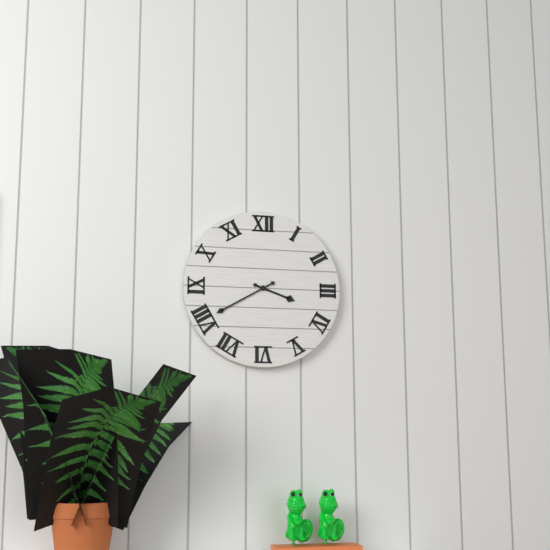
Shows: 3 h 40 min
